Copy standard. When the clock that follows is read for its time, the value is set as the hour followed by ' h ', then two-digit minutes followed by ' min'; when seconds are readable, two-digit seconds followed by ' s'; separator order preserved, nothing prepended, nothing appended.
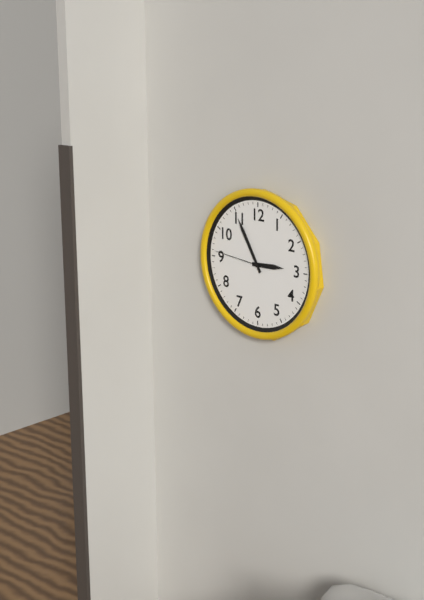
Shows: 2 h 55 min 46 s
